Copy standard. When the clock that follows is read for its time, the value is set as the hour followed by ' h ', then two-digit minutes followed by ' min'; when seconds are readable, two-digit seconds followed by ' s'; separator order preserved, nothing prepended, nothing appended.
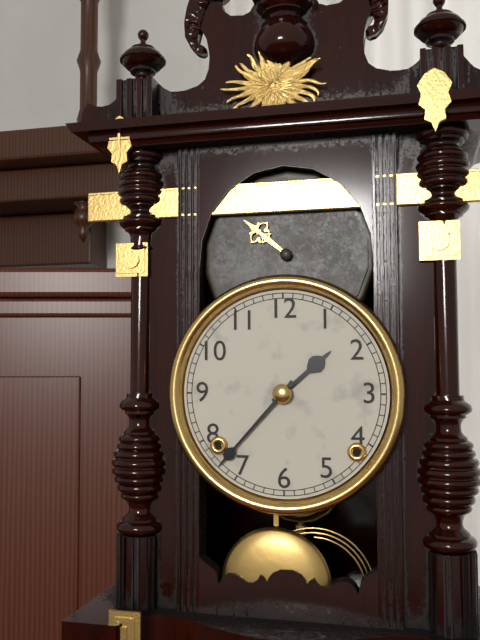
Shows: 1 h 37 min
